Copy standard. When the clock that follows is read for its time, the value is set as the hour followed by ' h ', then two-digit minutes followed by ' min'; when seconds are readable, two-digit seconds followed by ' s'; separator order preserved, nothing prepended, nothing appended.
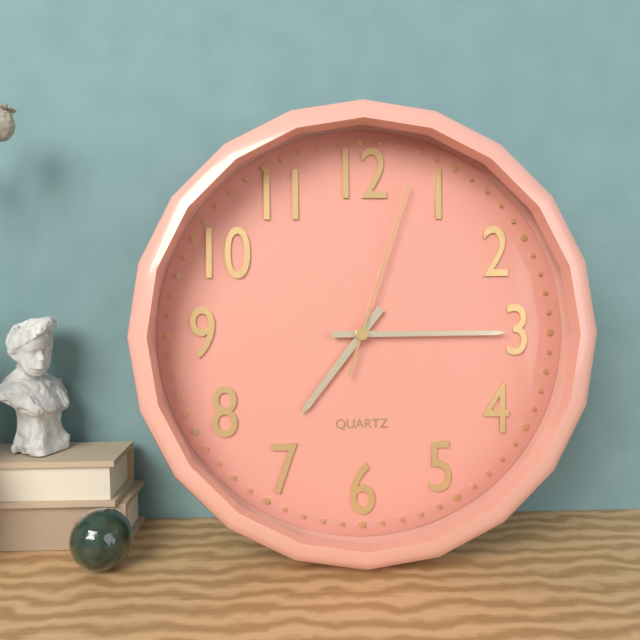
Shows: 7 h 15 min 03 s
